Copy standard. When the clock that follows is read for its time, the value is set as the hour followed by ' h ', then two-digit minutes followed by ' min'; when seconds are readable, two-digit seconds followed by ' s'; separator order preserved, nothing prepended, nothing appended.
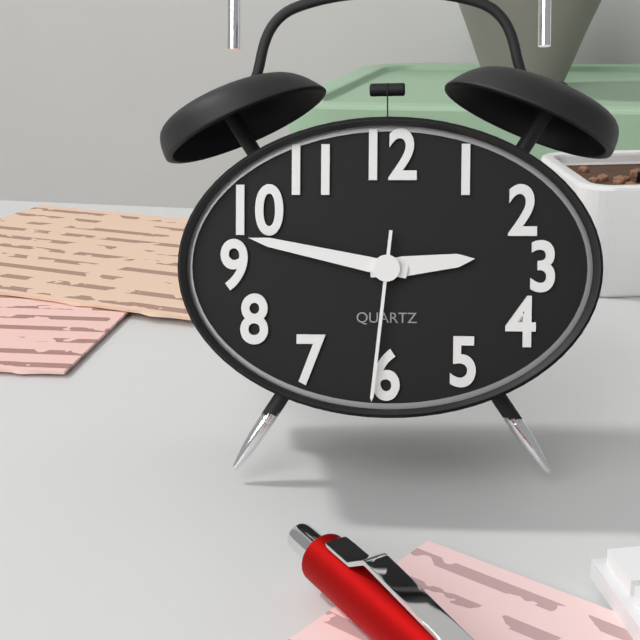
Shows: 2 h 47 min 31 s
